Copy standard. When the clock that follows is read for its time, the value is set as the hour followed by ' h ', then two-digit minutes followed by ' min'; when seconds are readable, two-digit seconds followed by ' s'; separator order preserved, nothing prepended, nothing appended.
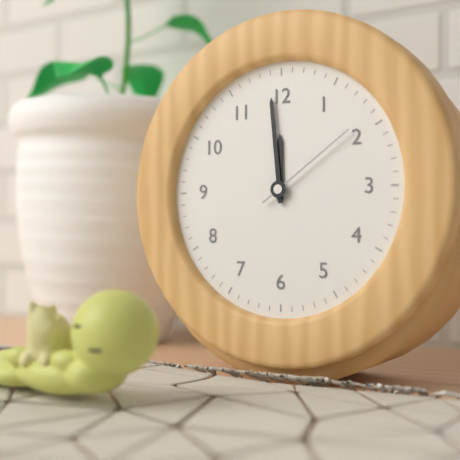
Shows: 11 h 59 min 09 s
